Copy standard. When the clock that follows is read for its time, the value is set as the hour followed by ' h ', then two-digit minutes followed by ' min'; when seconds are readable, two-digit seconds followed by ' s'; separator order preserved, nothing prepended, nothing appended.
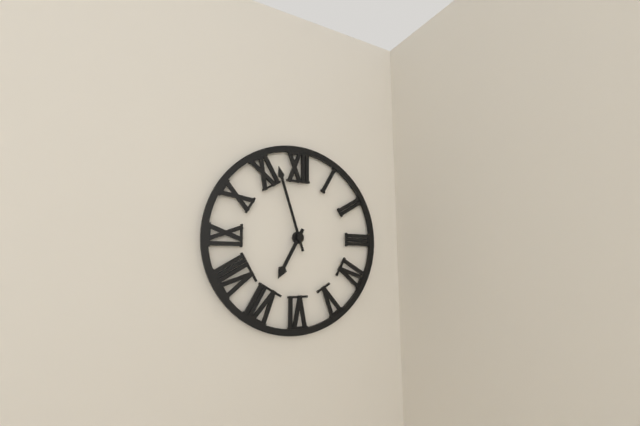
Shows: 6 h 57 min
